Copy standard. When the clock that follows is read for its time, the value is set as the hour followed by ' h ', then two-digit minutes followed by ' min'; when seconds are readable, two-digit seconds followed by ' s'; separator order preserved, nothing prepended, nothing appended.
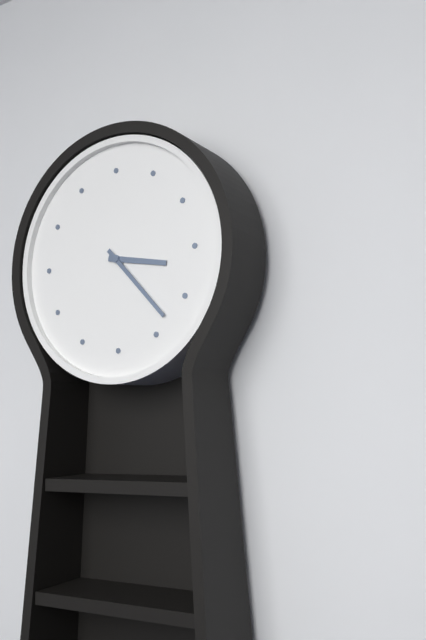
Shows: 3 h 23 min
